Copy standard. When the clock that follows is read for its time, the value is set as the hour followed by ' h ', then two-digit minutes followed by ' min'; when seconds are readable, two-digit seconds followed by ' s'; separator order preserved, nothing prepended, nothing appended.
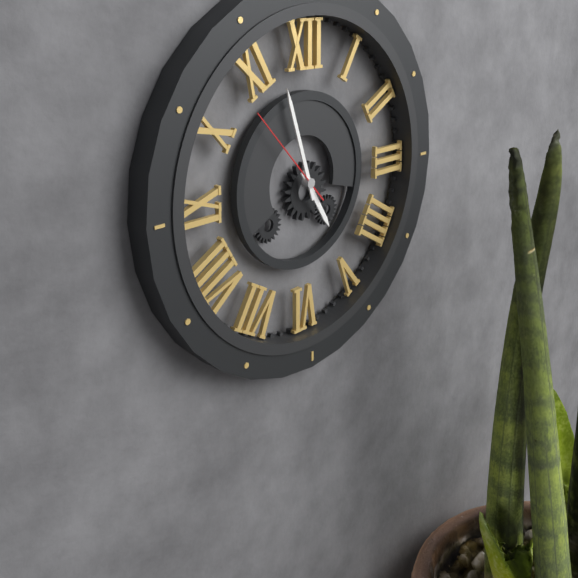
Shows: 4 h 57 min 53 s
